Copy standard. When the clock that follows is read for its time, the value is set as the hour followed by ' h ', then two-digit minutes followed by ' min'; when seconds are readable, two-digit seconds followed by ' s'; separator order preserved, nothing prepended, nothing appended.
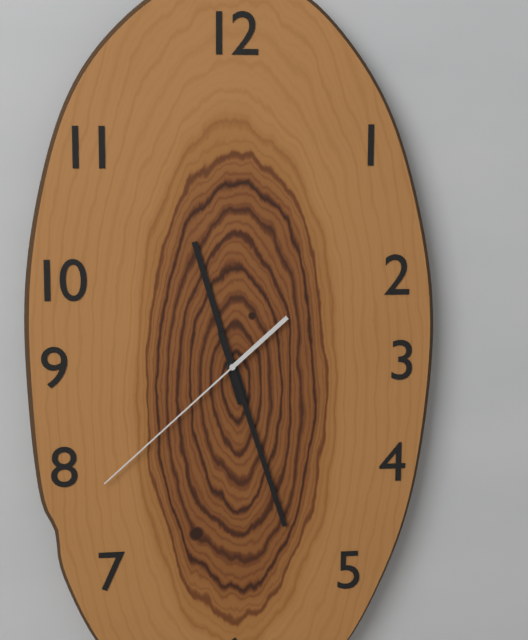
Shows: 11 h 27 min 38 s
